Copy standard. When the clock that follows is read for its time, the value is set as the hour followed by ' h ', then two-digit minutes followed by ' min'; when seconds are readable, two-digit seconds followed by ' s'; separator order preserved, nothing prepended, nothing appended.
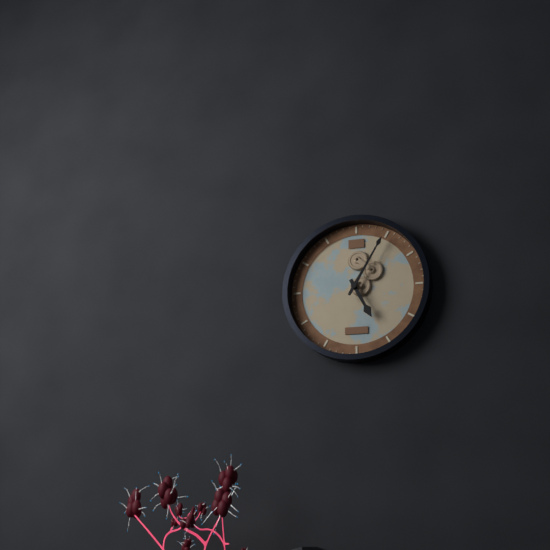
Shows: 5 h 05 min
